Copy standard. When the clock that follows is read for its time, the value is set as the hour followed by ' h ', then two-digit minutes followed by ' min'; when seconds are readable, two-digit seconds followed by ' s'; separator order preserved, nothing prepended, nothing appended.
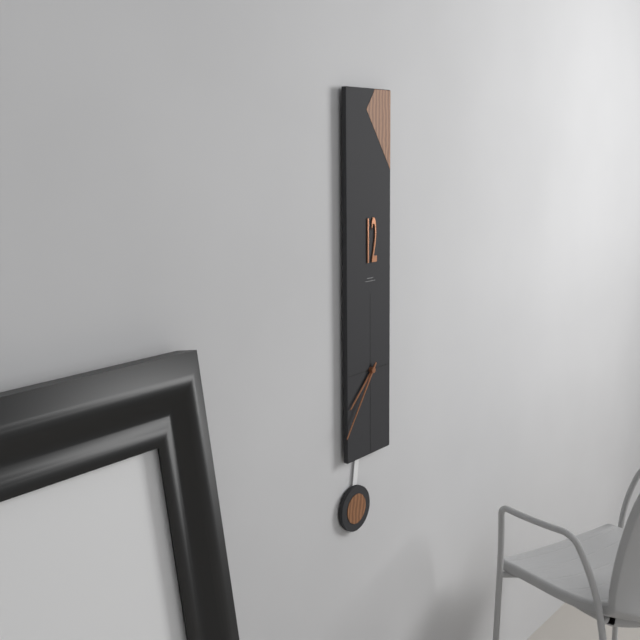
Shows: 7 h 36 min
